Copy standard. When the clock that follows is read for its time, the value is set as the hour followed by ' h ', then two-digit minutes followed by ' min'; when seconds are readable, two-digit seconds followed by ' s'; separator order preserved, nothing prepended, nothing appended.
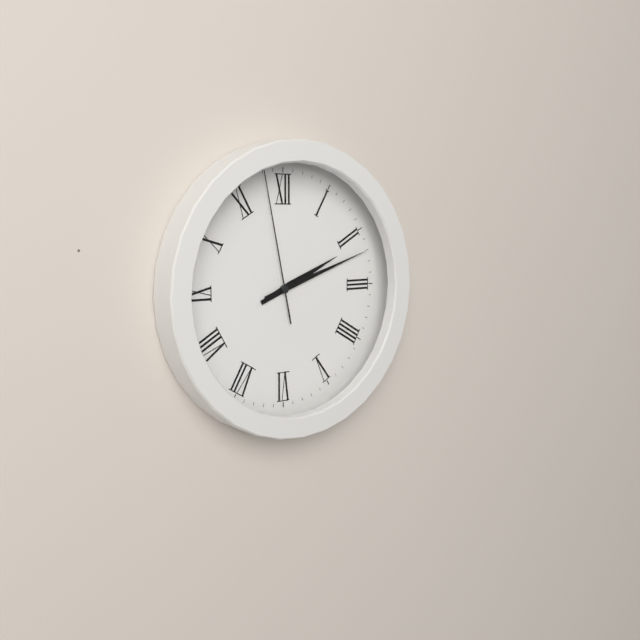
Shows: 2 h 12 min 58 s
